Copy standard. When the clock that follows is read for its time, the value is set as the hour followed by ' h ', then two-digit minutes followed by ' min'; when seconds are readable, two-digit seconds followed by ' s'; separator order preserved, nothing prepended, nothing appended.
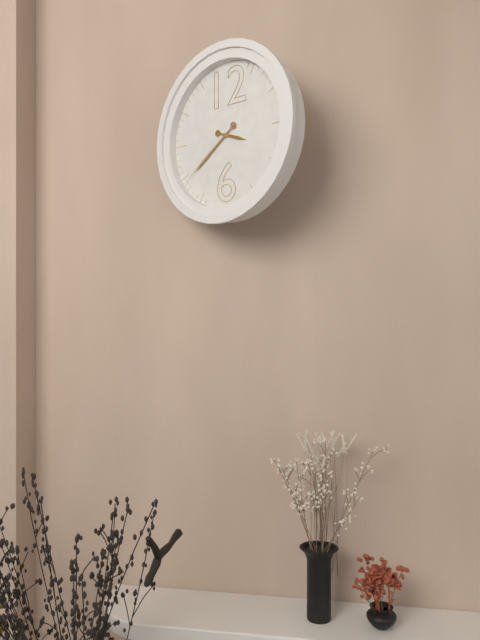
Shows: 3 h 39 min 39 s
